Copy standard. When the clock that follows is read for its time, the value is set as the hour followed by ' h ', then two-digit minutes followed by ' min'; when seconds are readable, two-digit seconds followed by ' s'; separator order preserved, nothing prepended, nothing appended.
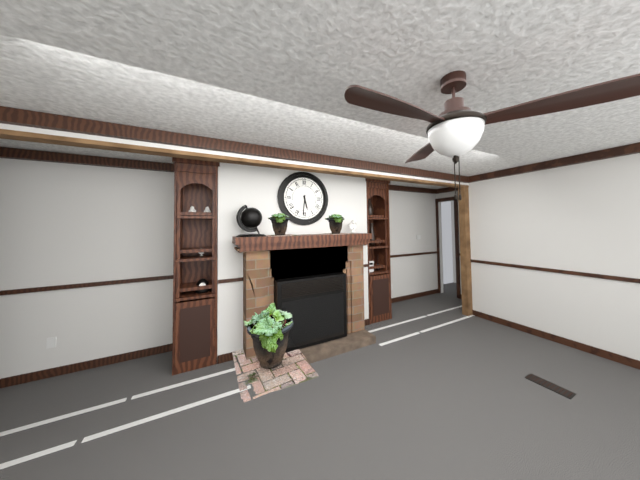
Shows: 5 h 31 min
